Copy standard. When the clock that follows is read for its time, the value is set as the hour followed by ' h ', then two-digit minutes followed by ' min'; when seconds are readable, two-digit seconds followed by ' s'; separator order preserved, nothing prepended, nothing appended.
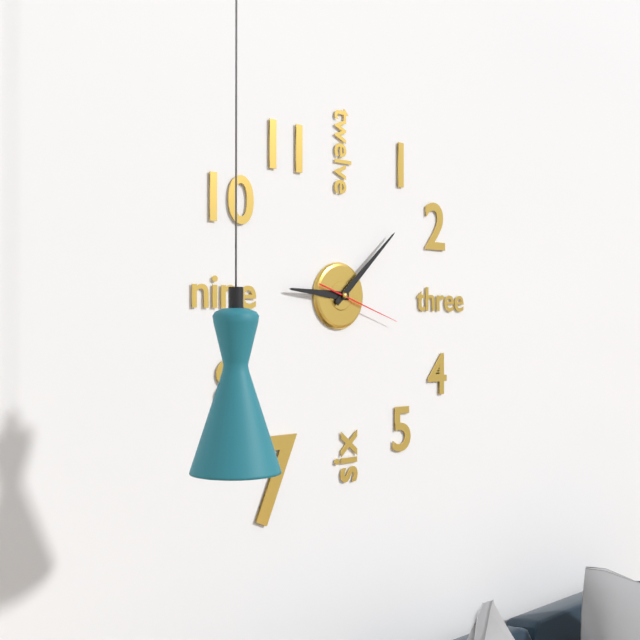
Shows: 9 h 08 min 18 s
